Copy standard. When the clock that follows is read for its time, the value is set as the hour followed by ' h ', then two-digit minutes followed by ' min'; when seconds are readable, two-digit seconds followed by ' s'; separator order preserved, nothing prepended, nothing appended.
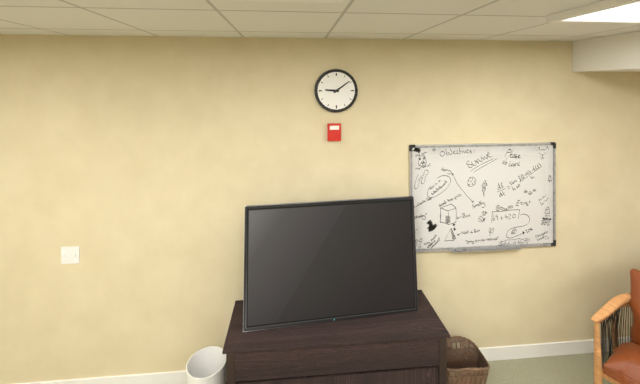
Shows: 9 h 09 min
